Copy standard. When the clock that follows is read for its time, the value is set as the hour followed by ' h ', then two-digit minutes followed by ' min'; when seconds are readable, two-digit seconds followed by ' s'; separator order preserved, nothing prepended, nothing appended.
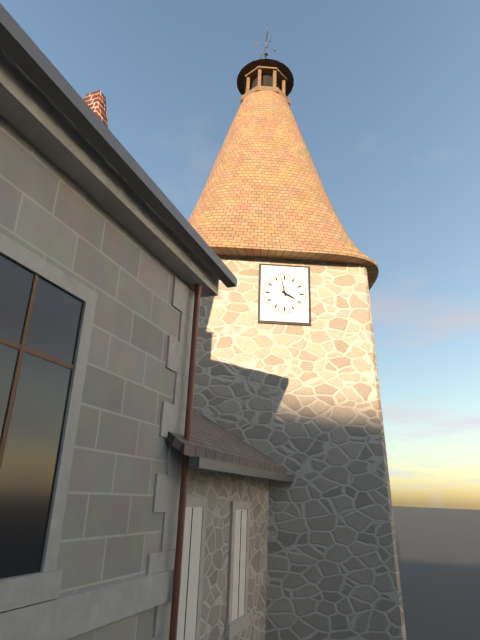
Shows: 3 h 58 min
